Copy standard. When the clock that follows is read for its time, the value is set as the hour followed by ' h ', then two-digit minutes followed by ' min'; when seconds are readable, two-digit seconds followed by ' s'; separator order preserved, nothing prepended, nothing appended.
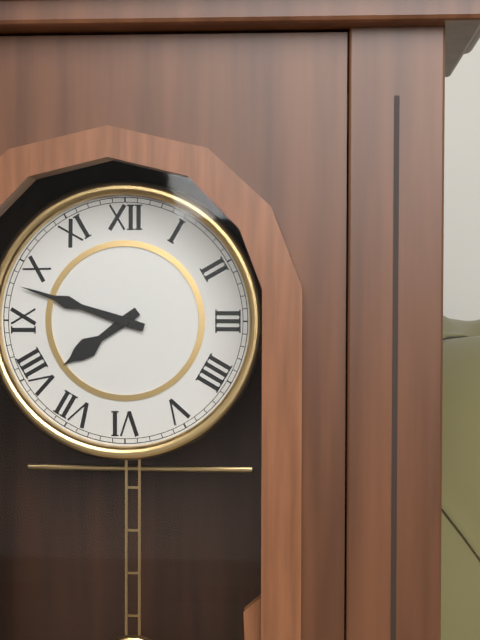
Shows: 7 h 48 min
